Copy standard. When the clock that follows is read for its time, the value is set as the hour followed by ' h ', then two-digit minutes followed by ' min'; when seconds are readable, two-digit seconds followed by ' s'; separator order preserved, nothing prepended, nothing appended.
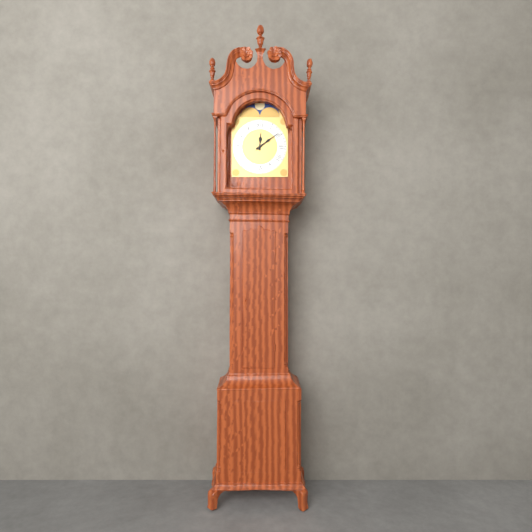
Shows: 12 h 09 min
